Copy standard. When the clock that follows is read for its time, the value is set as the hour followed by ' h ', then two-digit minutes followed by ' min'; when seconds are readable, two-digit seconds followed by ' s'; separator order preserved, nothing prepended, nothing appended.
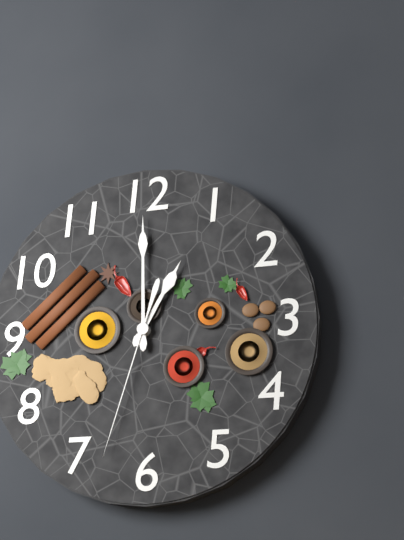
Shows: 1 h 00 min 33 s
